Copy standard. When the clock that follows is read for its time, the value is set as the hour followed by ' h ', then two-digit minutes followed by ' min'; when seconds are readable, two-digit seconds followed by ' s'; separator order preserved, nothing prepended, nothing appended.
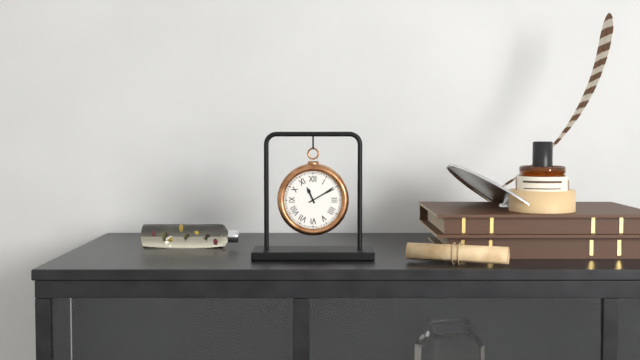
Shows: 11 h 10 min
